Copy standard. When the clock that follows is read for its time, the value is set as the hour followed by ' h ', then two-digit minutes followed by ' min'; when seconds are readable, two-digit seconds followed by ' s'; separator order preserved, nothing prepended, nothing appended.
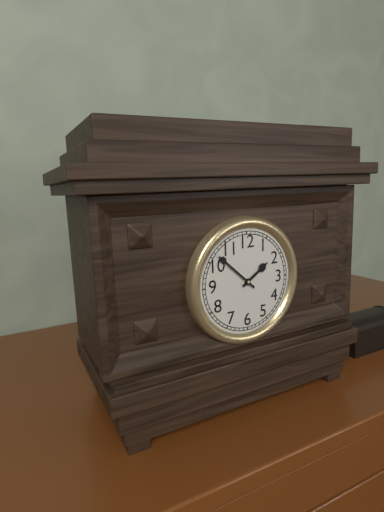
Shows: 1 h 52 min
